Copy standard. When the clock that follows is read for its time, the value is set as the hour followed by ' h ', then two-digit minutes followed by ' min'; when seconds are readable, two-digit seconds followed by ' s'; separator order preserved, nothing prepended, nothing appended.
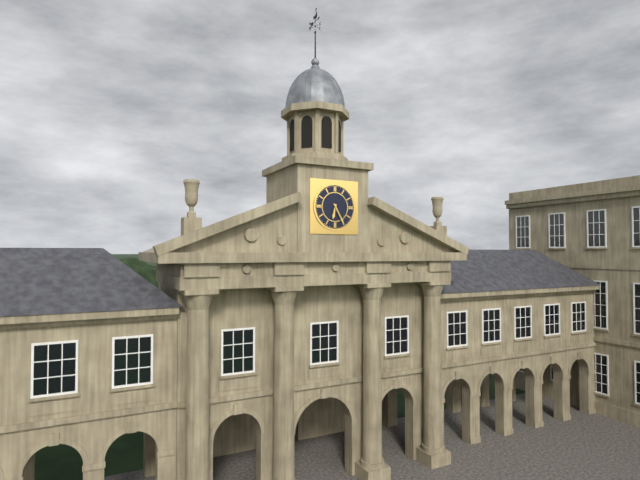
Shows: 6 h 25 min
